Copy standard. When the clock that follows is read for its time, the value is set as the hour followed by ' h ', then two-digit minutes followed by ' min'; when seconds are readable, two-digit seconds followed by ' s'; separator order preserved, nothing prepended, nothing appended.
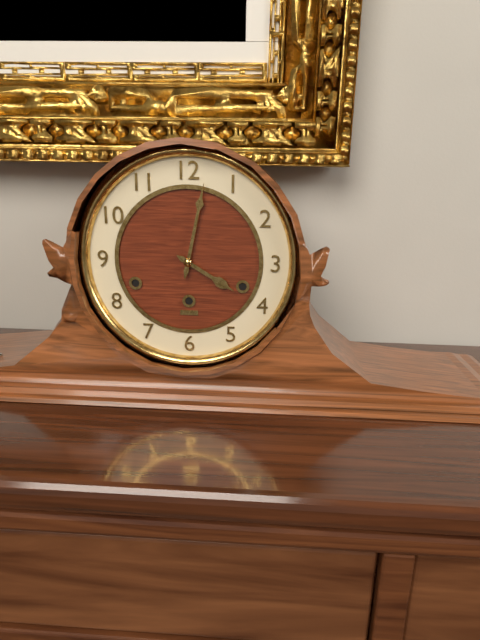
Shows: 4 h 02 min
